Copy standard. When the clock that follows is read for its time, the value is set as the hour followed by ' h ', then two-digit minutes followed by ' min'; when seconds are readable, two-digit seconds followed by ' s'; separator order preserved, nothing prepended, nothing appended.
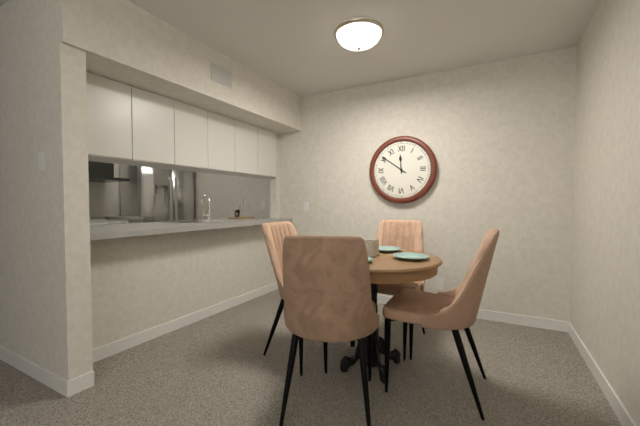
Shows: 11 h 51 min
